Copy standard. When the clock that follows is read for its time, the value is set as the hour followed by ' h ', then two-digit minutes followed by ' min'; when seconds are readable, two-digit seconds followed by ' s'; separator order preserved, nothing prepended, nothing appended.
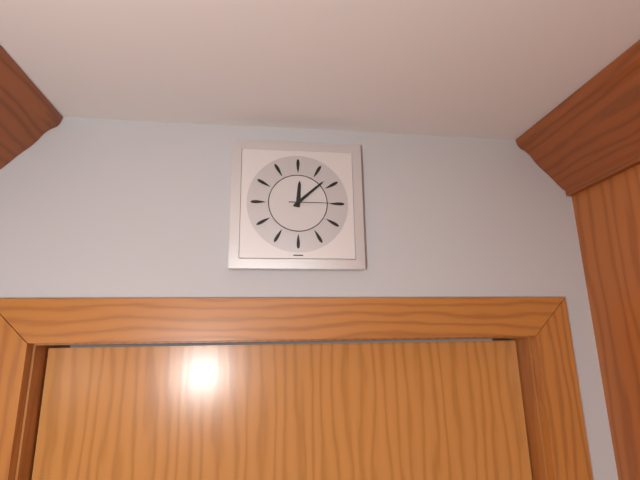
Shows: 12 h 08 min
